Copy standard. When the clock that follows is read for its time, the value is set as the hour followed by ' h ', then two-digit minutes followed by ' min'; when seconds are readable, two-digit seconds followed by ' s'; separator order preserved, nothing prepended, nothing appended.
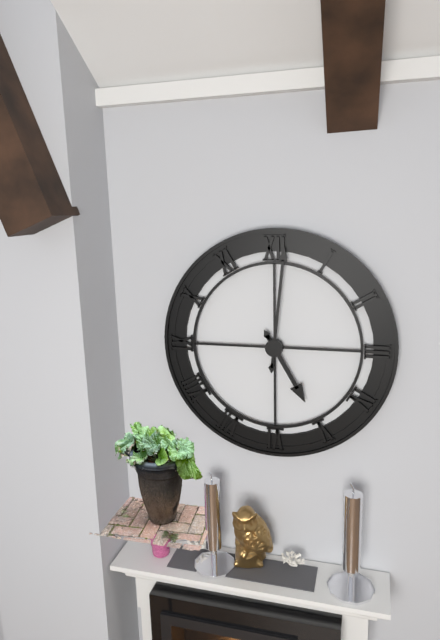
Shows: 5 h 01 min
